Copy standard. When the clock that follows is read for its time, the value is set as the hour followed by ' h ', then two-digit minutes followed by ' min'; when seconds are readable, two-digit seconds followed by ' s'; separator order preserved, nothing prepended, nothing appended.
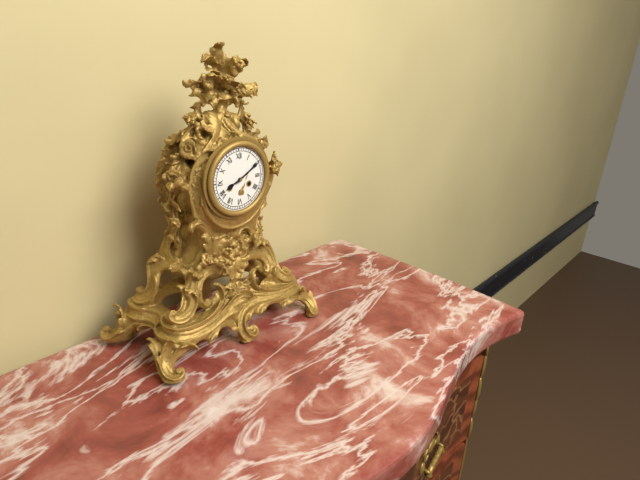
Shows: 8 h 10 min
